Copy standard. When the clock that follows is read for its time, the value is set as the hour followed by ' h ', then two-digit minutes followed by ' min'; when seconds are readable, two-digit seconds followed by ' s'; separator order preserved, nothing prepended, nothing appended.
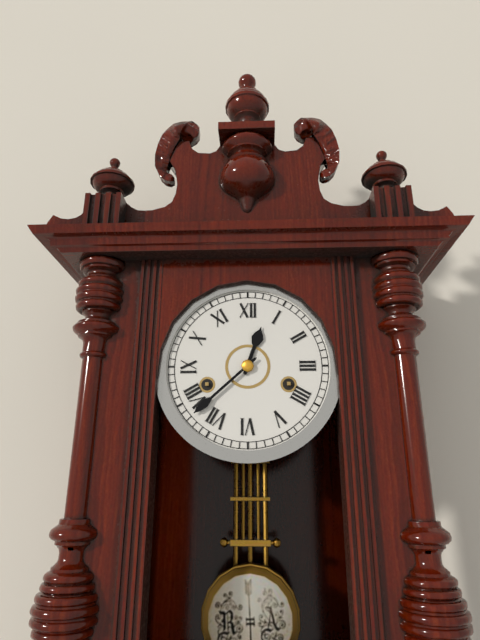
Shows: 12 h 38 min
